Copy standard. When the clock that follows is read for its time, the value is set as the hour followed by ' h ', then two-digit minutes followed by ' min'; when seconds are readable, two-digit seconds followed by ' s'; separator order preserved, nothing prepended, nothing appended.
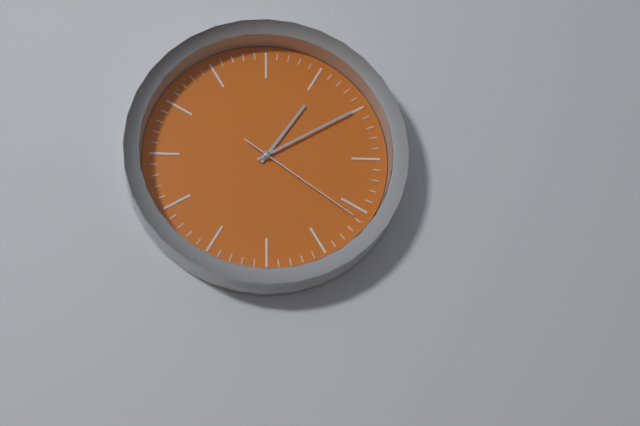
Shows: 1 h 10 min 21 s
